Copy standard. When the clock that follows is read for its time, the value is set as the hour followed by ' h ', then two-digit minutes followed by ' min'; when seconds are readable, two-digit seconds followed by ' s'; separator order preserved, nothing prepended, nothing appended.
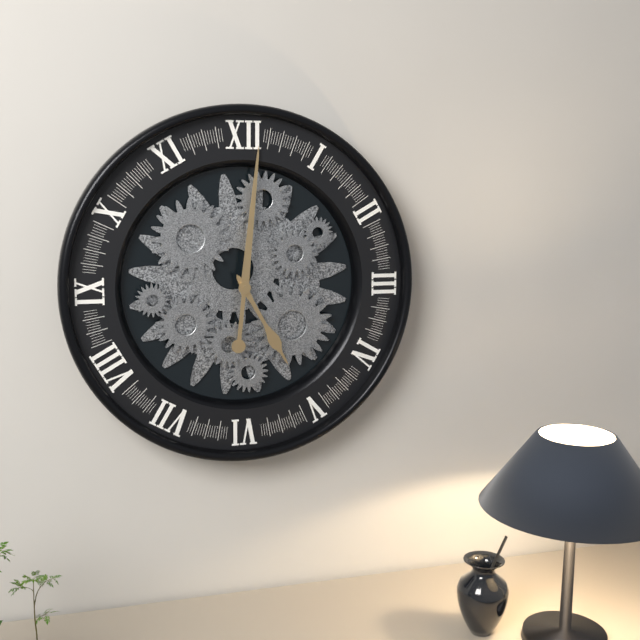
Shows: 5 h 01 min
